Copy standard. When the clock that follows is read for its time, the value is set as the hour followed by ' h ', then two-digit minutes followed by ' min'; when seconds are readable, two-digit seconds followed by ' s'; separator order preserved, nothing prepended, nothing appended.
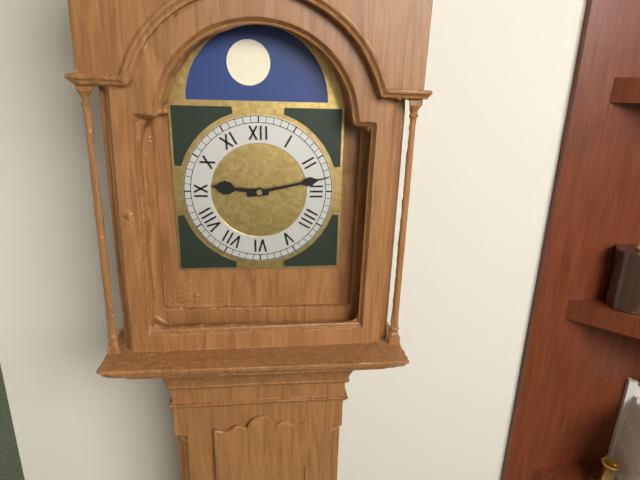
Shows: 9 h 13 min
